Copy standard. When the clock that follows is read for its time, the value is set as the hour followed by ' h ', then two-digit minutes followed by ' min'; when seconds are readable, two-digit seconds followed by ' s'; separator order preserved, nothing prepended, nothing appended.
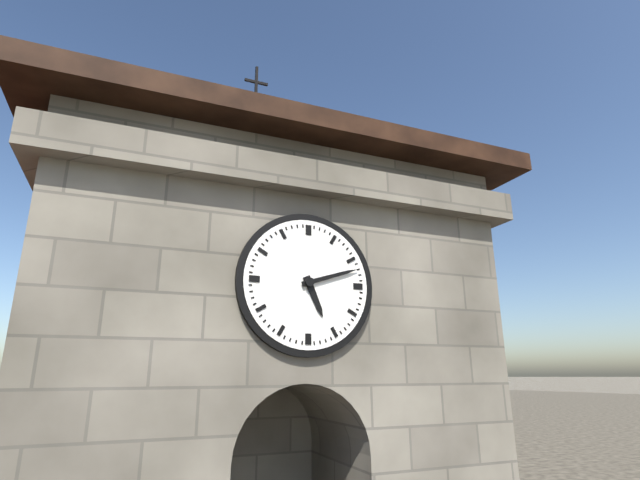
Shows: 5 h 12 min
